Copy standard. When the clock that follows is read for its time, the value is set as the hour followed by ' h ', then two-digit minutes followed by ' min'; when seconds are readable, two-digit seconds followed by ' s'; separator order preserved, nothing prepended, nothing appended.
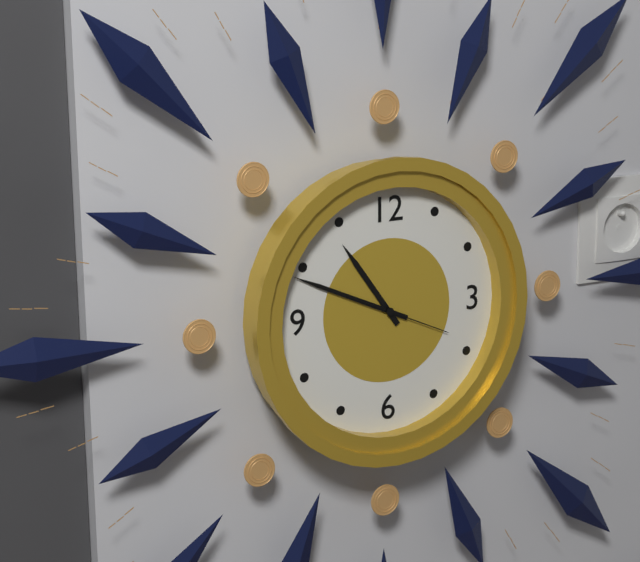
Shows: 10 h 49 min 19 s
